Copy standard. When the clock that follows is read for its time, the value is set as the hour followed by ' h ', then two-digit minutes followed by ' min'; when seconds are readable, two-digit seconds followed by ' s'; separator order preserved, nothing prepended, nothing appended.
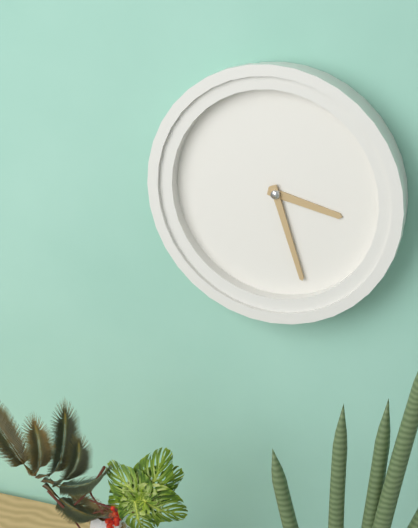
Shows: 3 h 27 min
